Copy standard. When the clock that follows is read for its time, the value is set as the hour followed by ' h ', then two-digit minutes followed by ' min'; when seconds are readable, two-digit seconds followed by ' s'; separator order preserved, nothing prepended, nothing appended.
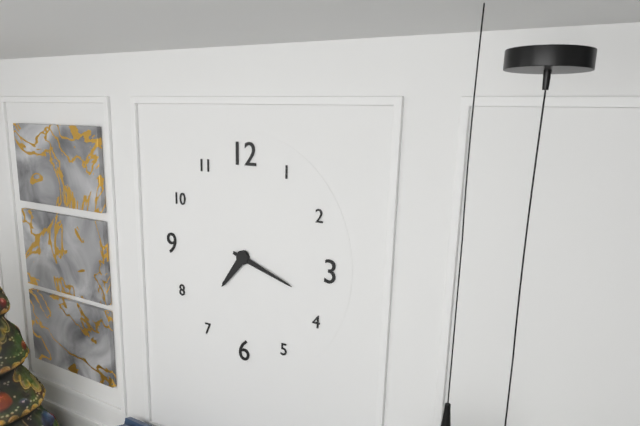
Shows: 7 h 18 min
